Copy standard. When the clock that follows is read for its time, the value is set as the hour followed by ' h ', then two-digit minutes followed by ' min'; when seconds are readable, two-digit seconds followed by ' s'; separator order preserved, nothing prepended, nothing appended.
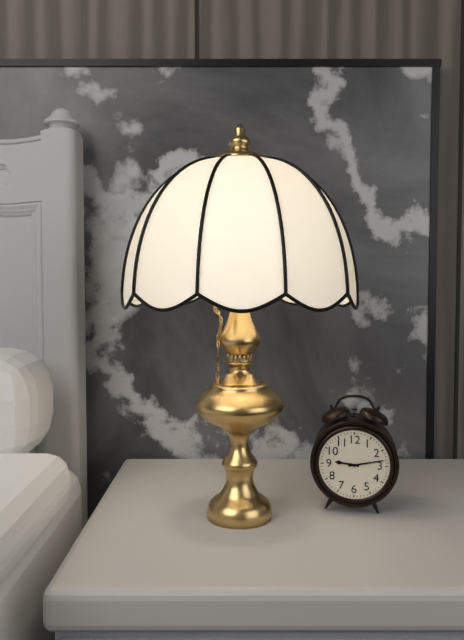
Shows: 9 h 13 min
